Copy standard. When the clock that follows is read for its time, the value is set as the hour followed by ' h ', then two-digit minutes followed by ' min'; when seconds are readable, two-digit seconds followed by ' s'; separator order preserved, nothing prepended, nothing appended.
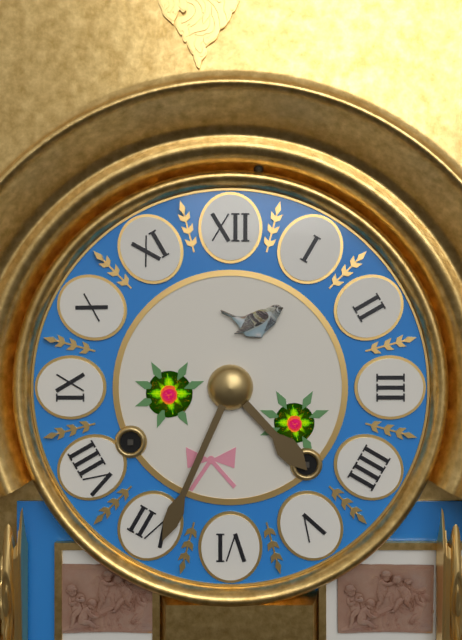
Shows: 4 h 34 min
